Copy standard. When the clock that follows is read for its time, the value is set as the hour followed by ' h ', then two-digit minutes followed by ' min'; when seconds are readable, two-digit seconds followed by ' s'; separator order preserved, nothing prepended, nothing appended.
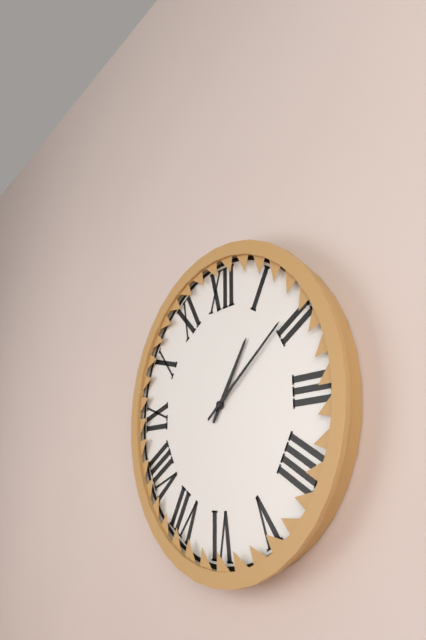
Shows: 1 h 09 min
